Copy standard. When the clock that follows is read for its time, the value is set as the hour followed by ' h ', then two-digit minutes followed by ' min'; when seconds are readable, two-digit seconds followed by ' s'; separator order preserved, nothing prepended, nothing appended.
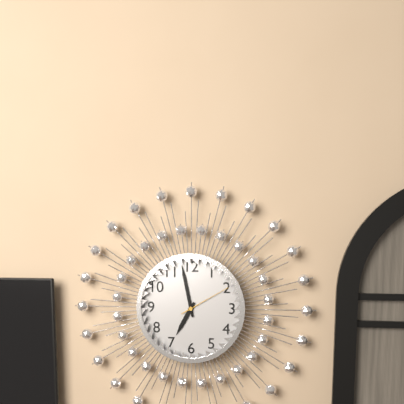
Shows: 6 h 58 min 10 s
